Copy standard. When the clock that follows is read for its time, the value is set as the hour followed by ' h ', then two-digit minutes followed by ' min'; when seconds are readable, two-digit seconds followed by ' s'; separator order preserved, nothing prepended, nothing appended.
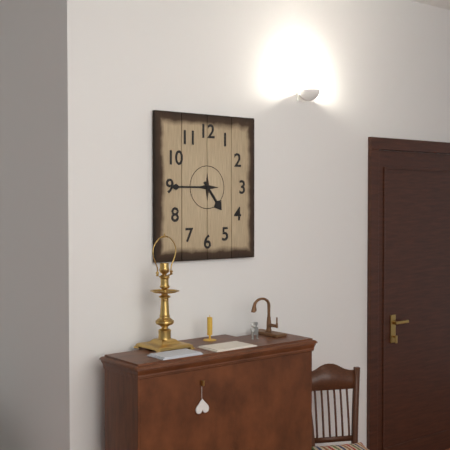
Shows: 4 h 45 min
